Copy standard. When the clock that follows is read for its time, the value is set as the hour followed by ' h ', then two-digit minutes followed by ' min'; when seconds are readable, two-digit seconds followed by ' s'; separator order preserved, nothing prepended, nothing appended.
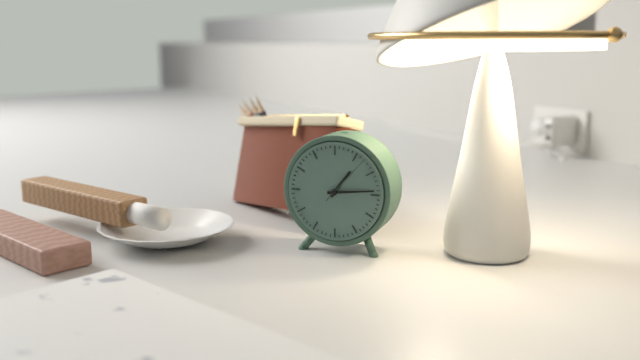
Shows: 1 h 14 min 07 s
